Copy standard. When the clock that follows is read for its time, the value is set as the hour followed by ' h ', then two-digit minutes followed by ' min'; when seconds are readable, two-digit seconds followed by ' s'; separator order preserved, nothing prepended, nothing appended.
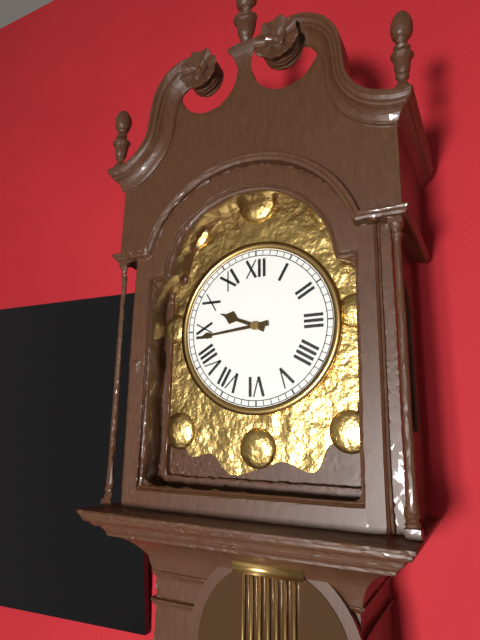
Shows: 9 h 44 min
